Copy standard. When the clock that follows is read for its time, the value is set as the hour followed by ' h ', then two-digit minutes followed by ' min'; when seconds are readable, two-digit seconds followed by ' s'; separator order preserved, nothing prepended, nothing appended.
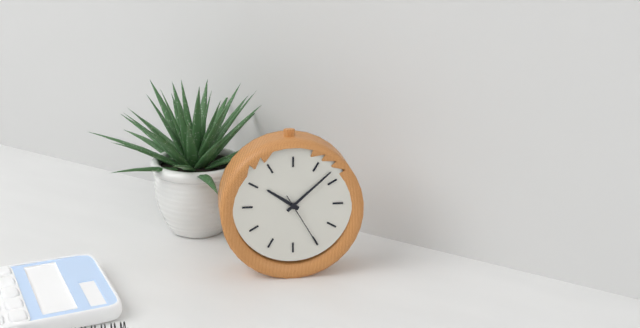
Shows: 10 h 08 min 25 s
